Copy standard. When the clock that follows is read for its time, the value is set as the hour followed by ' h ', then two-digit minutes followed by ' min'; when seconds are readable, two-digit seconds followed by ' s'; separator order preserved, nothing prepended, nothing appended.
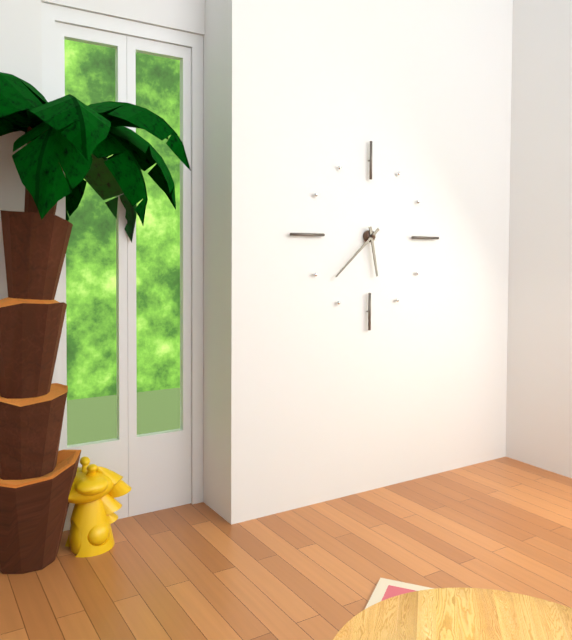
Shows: 5 h 38 min
